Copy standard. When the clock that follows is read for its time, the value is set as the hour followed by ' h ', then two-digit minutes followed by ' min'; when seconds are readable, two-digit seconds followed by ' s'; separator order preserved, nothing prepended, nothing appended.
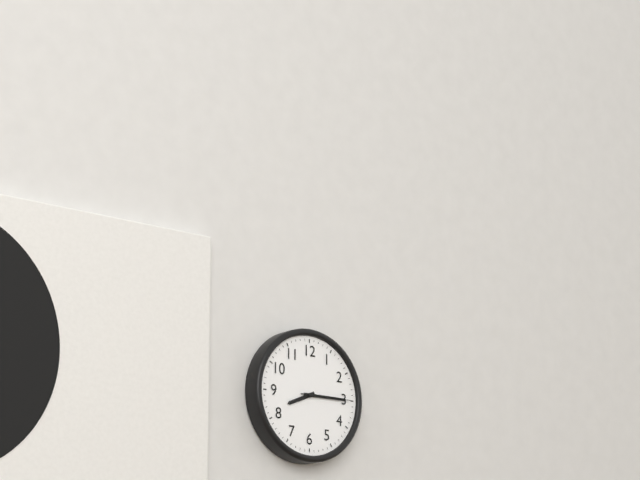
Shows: 8 h 15 min 15 s
